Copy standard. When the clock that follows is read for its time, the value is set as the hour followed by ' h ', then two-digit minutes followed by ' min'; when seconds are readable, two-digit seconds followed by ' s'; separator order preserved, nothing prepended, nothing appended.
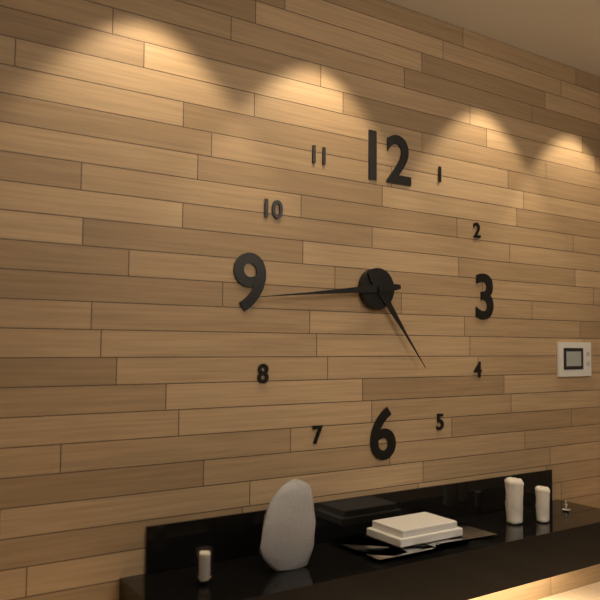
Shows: 4 h 44 min
